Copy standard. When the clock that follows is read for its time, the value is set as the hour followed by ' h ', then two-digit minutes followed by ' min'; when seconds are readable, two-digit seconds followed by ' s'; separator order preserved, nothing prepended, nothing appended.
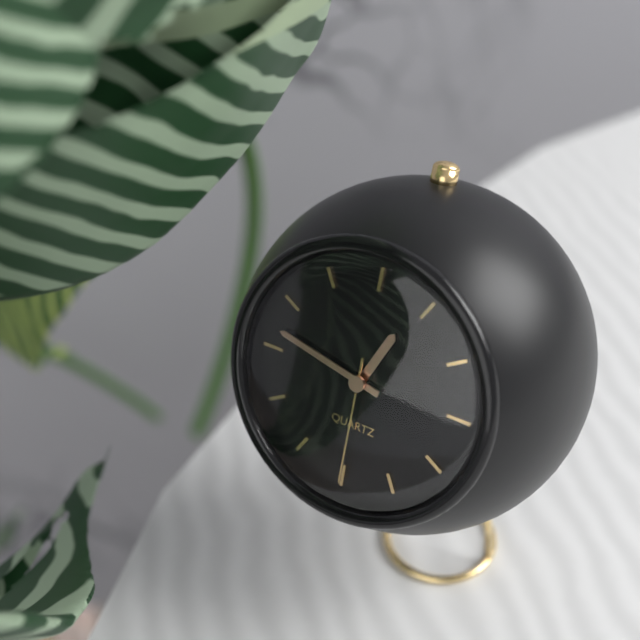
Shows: 12 h 47 min 30 s
